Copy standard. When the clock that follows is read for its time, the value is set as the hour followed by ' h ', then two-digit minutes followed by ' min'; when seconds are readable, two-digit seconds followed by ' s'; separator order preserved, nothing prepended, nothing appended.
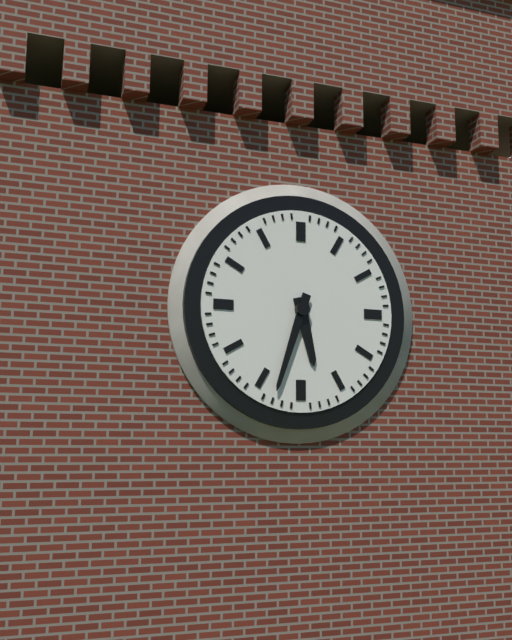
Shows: 5 h 33 min
